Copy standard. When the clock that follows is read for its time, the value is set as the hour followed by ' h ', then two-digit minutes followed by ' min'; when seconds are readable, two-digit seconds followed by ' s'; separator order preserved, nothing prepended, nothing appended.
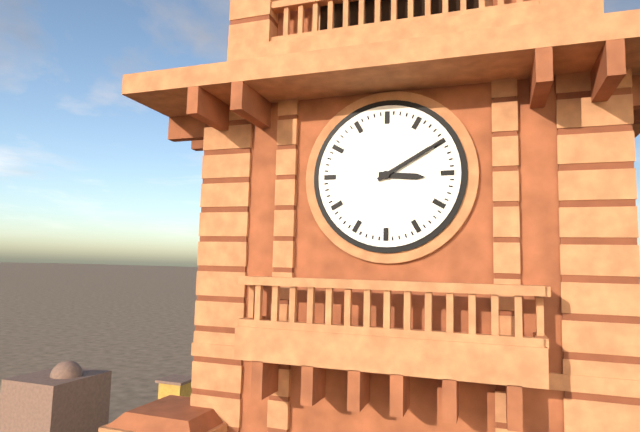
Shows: 3 h 10 min
